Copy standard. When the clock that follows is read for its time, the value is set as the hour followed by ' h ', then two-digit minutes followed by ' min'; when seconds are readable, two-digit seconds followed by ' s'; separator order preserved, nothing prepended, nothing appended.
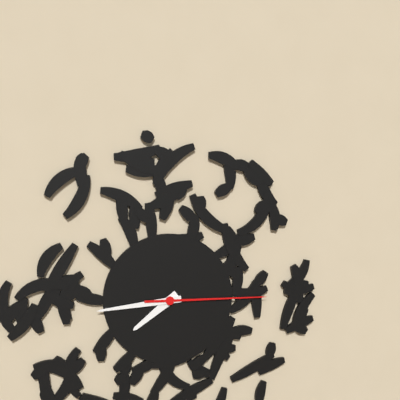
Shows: 7 h 44 min 15 s
